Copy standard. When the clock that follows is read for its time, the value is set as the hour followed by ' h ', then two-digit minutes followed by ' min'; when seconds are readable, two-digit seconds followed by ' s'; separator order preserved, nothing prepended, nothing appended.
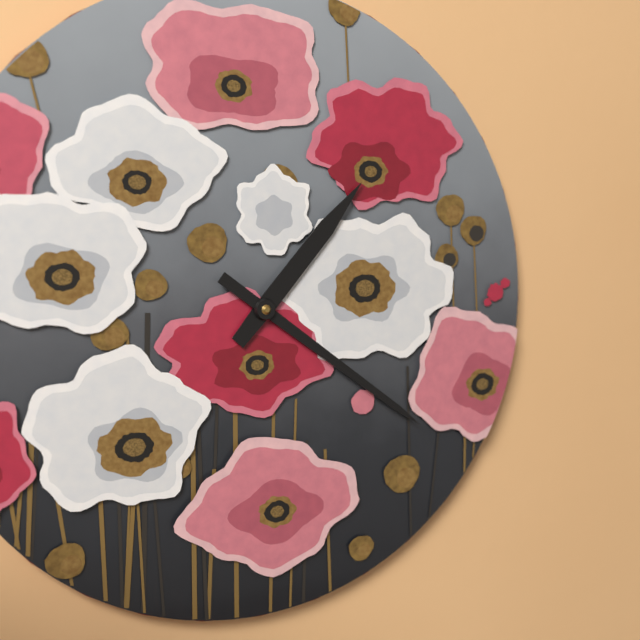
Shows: 1 h 21 min
